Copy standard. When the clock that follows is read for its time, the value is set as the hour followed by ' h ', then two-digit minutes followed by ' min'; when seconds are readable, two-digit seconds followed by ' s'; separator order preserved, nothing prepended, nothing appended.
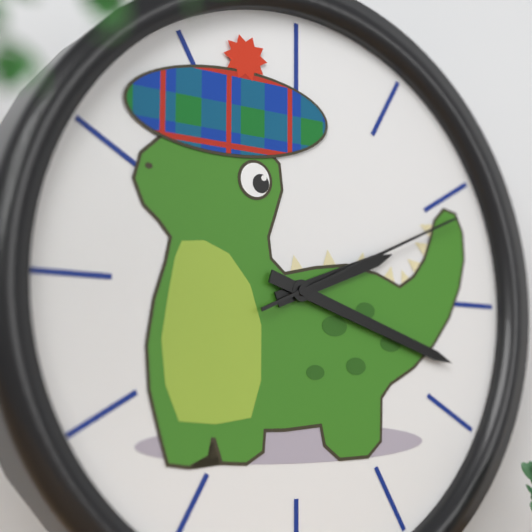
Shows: 2 h 18 min 11 s
